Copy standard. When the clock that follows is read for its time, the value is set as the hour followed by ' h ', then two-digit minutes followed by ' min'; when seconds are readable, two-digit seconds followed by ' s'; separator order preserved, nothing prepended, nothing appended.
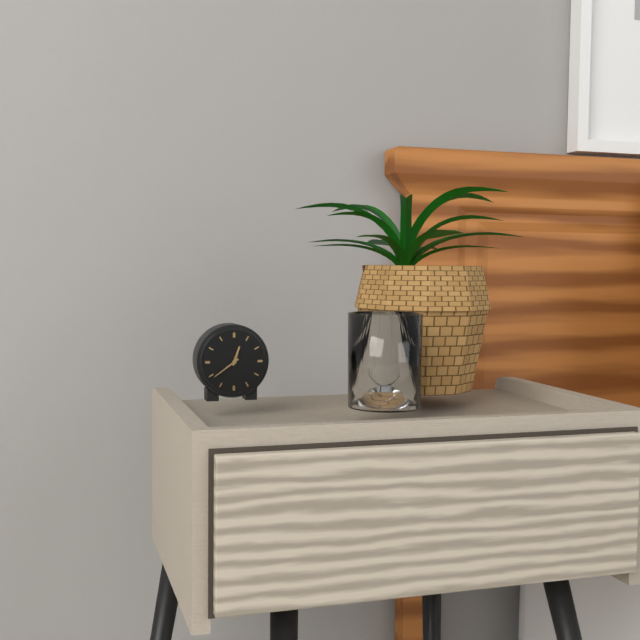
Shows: 12 h 39 min
